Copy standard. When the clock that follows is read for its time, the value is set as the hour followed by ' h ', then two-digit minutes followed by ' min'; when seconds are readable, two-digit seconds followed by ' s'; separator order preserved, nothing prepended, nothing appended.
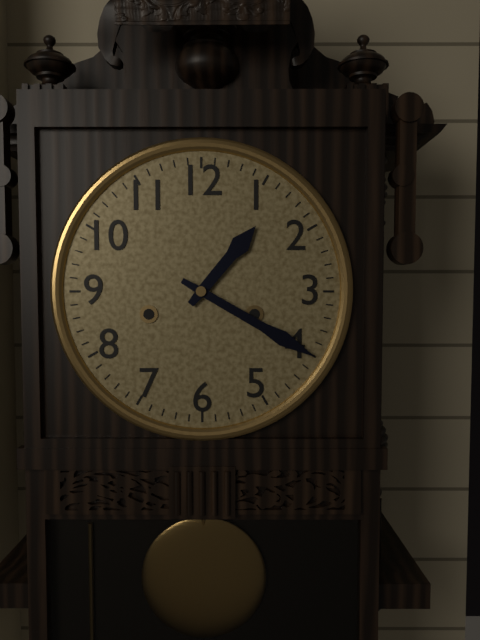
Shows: 1 h 20 min
